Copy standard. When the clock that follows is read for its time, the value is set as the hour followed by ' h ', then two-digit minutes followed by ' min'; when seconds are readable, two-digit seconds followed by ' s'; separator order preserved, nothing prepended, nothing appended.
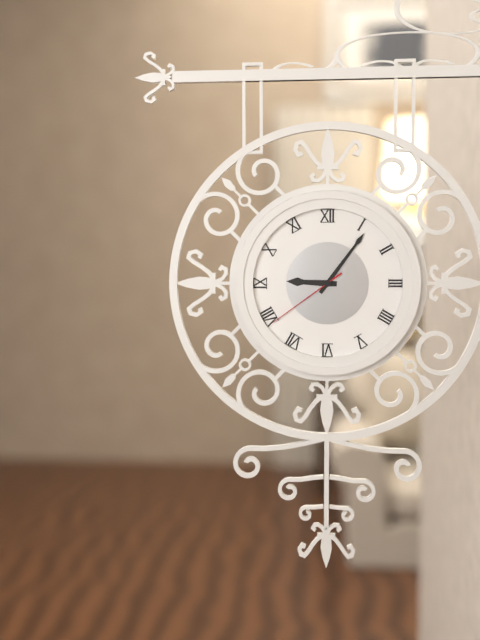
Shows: 9 h 06 min 39 s
